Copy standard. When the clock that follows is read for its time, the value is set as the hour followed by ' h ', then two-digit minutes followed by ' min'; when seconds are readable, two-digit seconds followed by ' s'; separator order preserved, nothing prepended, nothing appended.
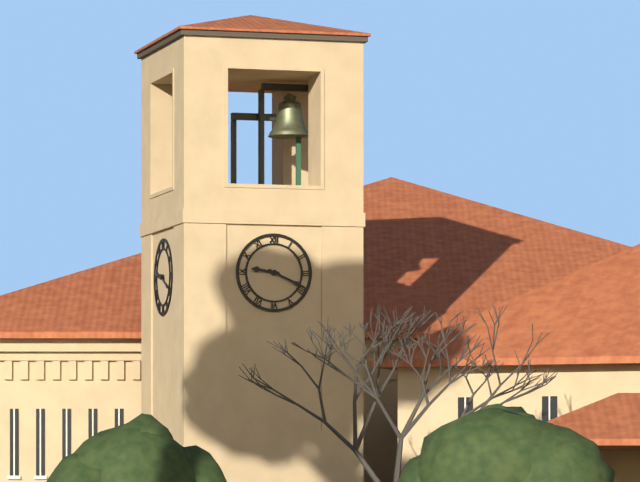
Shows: 9 h 19 min
